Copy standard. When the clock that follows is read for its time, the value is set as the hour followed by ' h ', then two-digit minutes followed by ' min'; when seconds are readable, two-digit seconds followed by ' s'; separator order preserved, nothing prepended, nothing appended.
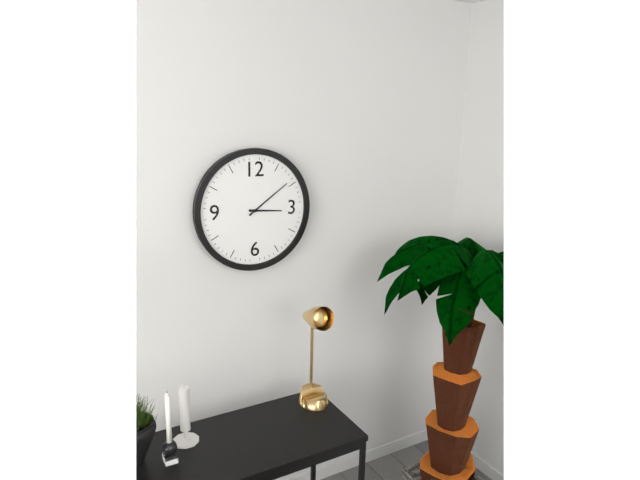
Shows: 3 h 09 min
